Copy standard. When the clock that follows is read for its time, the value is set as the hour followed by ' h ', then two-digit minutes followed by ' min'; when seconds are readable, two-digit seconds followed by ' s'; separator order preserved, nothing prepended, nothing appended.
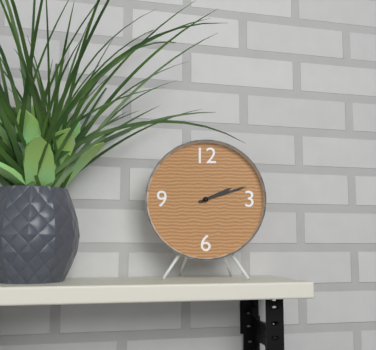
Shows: 2 h 12 min
